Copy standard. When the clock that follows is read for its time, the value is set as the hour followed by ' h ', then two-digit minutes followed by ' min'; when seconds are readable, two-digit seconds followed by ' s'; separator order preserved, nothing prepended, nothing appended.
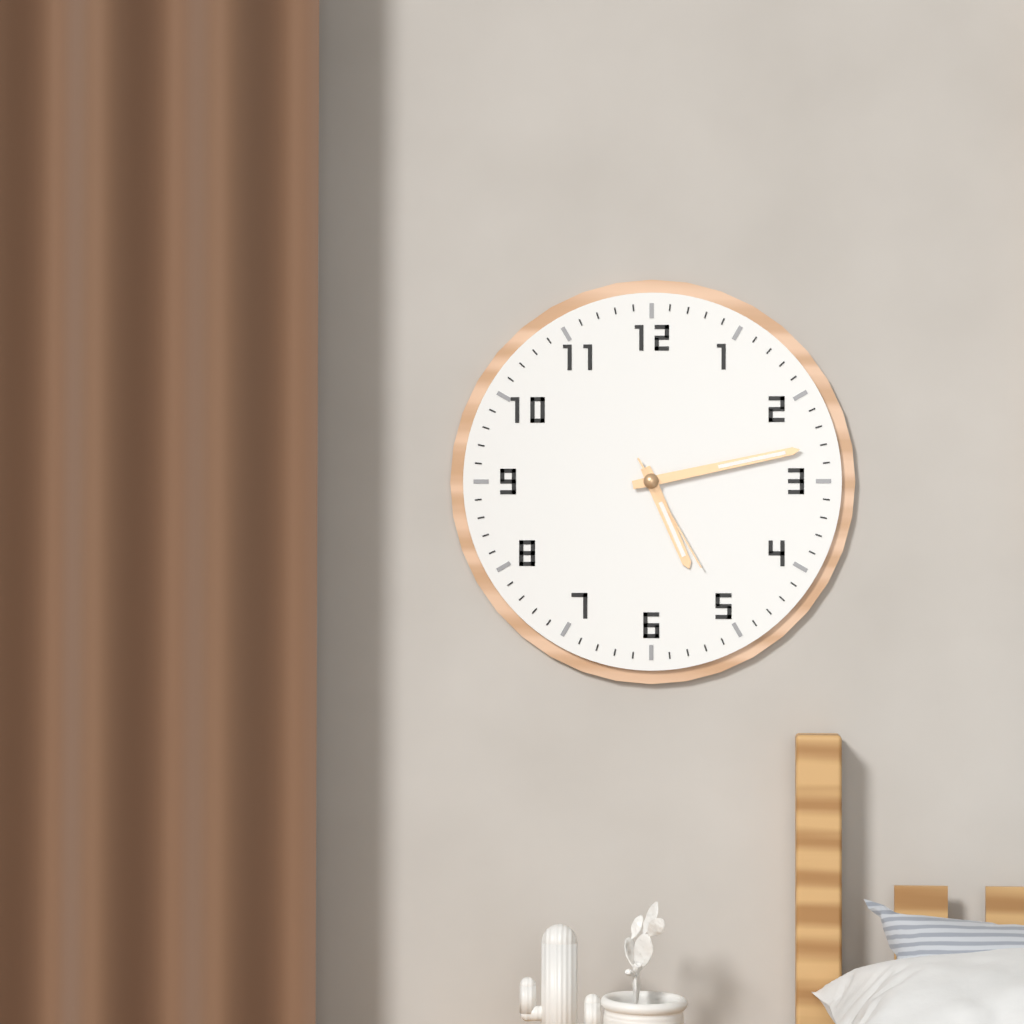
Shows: 5 h 13 min 25 s
